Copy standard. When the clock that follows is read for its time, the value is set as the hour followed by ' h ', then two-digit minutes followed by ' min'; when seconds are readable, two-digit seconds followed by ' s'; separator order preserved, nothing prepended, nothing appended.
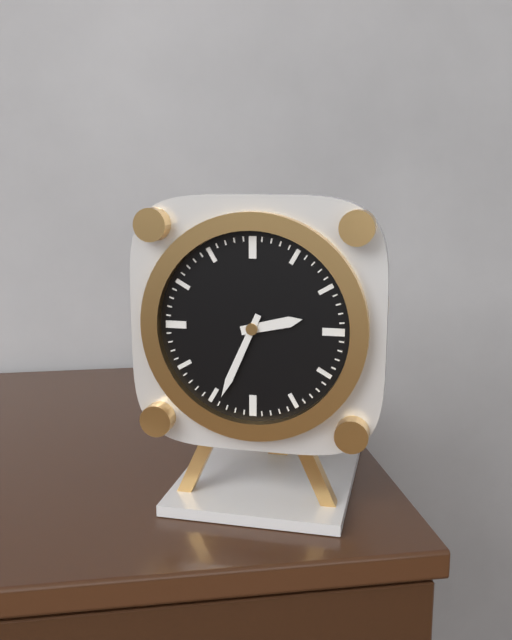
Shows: 2 h 34 min
